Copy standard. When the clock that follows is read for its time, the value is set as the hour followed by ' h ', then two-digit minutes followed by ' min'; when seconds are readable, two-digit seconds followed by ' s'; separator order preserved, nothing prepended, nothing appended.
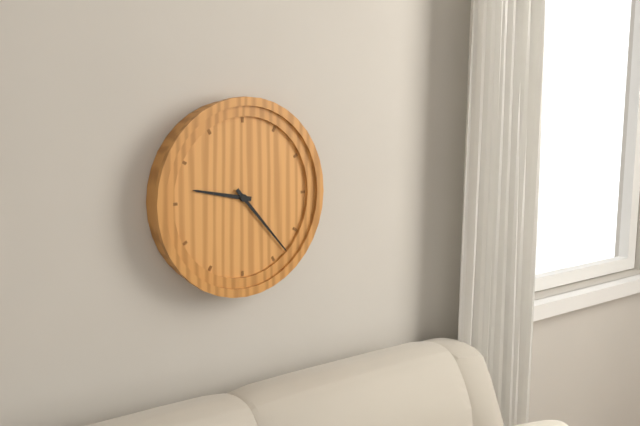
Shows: 9 h 23 min
